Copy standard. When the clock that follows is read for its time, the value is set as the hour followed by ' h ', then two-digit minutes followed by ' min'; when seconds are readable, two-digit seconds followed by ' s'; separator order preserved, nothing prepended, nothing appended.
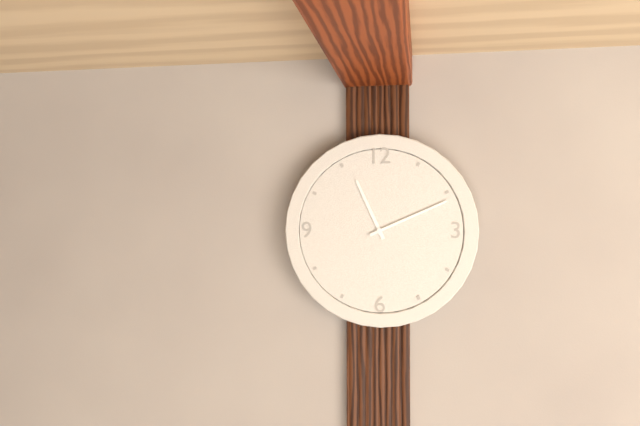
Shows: 11 h 11 min
